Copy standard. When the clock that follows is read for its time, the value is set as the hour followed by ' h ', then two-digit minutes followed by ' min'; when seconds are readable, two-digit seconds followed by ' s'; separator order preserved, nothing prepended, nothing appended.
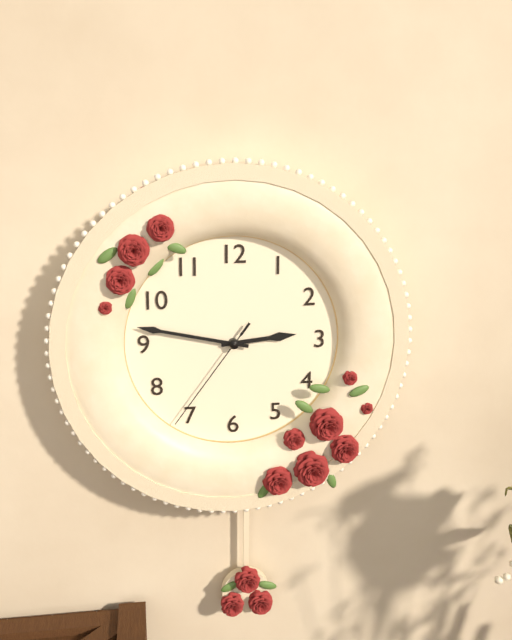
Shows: 2 h 47 min 36 s
